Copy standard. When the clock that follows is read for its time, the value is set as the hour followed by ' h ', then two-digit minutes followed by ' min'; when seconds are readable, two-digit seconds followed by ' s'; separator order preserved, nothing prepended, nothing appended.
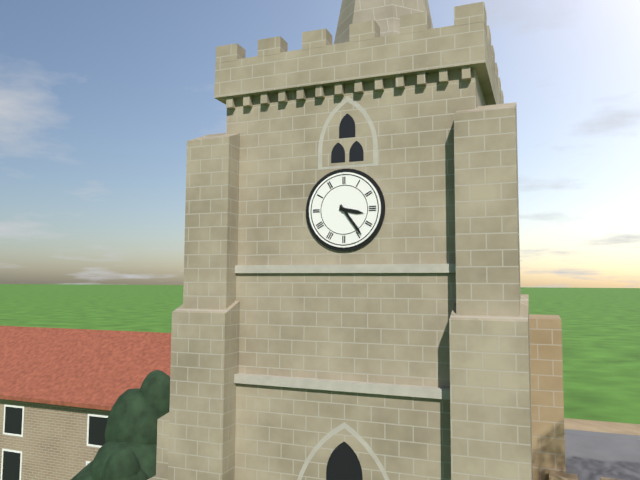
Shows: 3 h 24 min
